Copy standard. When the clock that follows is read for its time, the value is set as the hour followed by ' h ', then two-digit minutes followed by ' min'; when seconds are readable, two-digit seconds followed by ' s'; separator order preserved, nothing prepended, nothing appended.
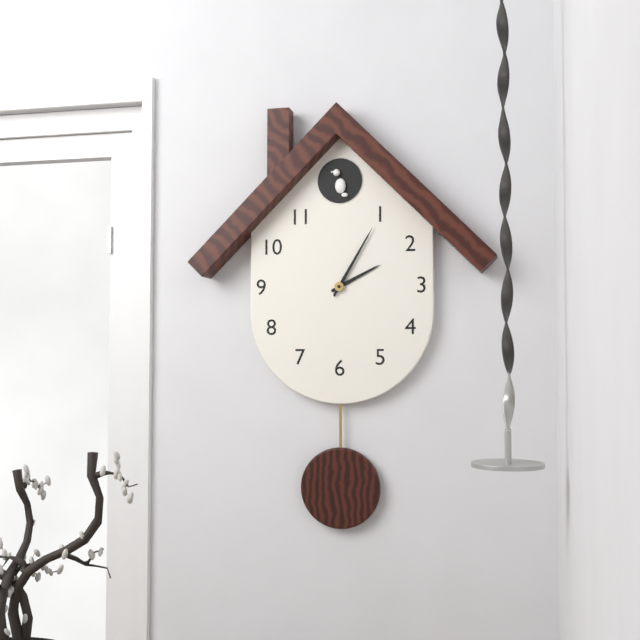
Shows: 2 h 05 min
